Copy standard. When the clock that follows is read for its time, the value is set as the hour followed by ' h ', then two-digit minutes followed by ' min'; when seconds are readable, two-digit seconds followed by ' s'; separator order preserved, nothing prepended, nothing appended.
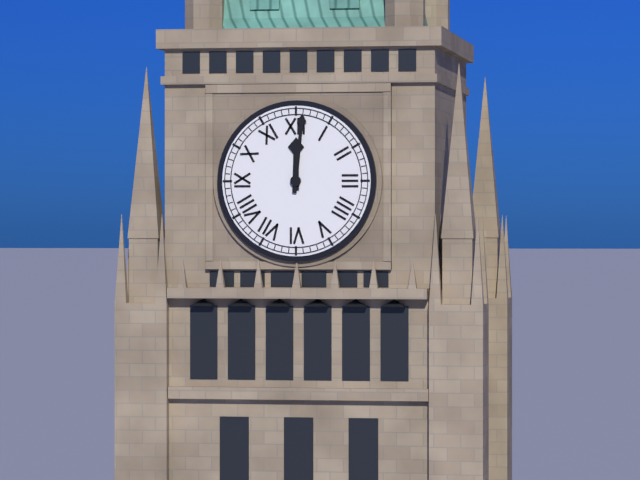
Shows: 12 h 01 min
